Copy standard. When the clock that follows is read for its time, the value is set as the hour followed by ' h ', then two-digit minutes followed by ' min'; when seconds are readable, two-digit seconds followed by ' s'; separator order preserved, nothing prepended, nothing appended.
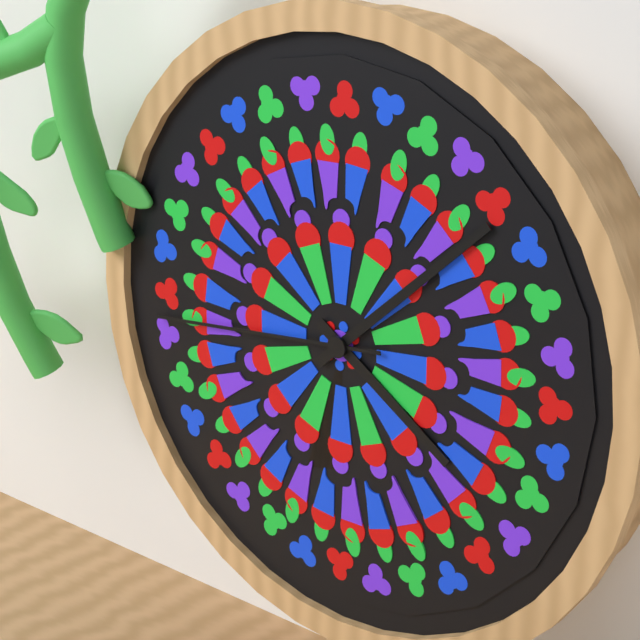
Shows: 4 h 08 min 44 s
